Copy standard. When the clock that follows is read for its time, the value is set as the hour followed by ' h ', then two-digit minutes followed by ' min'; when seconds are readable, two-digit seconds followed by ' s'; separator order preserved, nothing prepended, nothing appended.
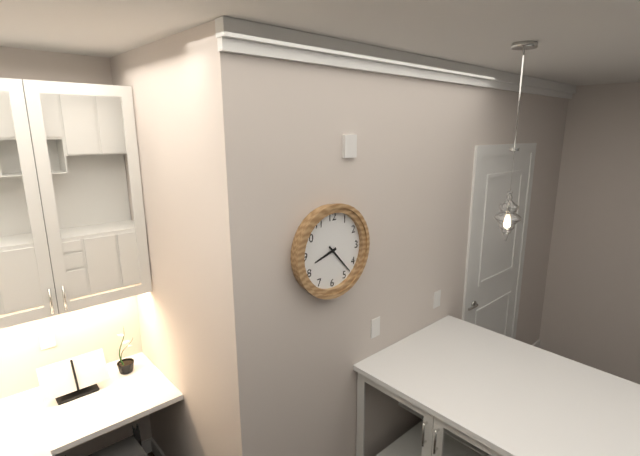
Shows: 8 h 23 min
